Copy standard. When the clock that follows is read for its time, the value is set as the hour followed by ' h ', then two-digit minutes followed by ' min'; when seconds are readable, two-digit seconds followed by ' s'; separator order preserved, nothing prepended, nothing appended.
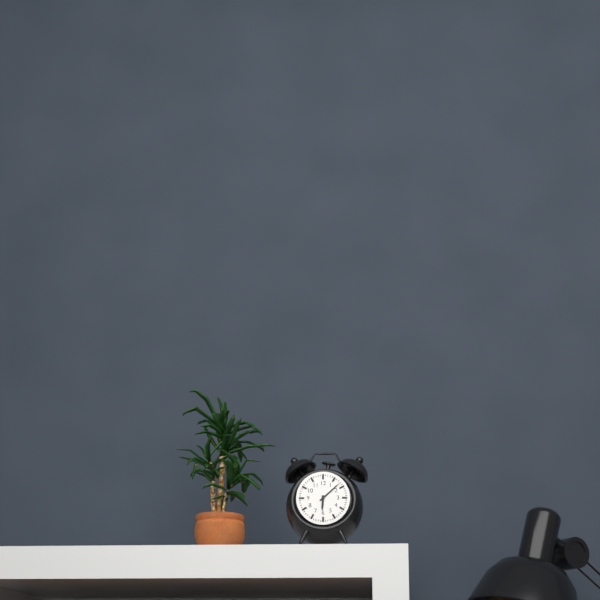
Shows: 6 h 08 min
